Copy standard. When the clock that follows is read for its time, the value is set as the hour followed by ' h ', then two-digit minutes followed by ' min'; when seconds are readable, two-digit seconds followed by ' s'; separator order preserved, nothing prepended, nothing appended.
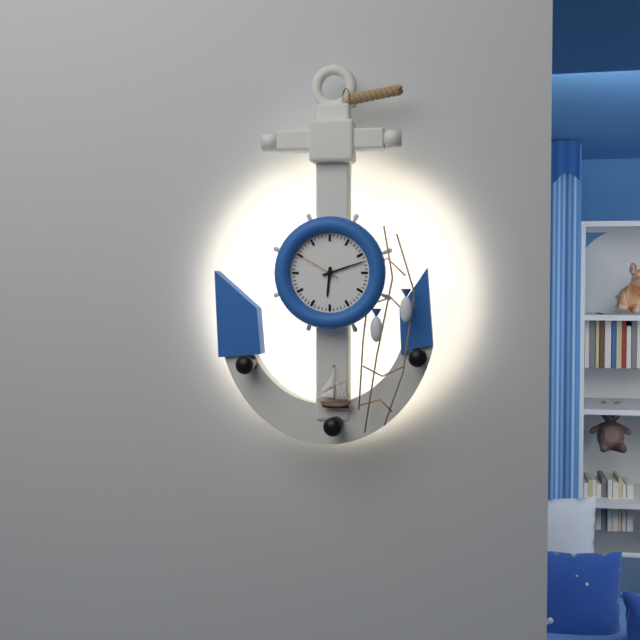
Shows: 6 h 12 min
